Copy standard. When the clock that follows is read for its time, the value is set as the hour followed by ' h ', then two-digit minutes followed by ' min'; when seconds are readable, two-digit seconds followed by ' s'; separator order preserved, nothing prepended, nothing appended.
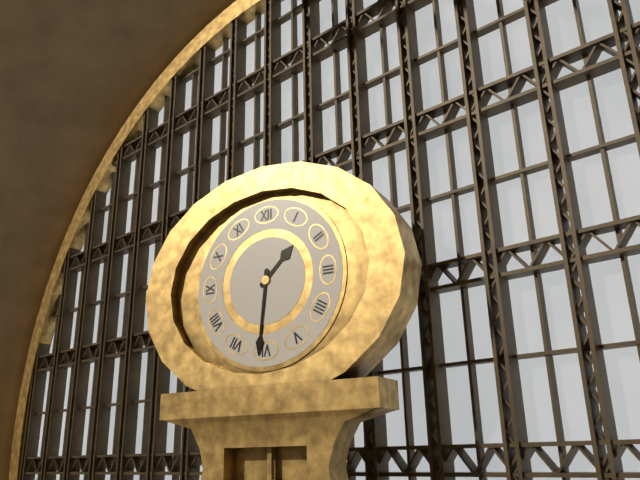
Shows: 1 h 31 min
